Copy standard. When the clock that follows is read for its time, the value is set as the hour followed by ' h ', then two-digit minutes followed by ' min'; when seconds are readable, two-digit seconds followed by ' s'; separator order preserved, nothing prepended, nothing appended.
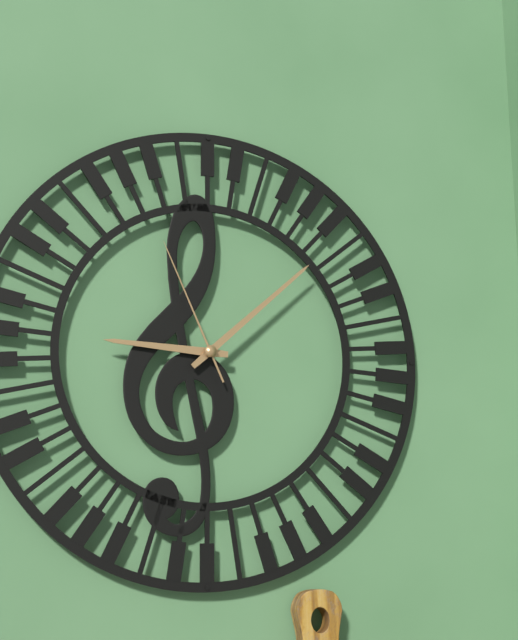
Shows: 9 h 08 min 56 s
